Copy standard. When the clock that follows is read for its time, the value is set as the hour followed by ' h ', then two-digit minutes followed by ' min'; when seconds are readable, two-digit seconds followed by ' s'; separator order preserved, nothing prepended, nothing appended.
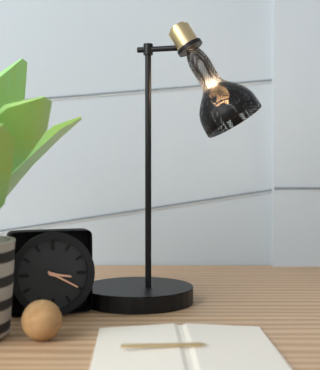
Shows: 3 h 20 min
